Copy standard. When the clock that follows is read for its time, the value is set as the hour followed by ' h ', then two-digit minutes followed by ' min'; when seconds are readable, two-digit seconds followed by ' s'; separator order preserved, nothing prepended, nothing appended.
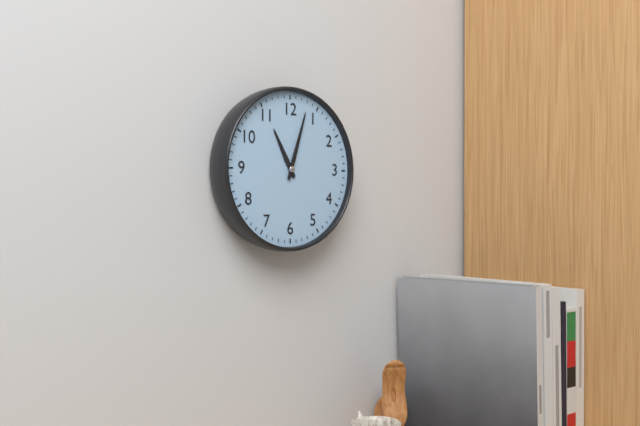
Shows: 11 h 03 min
